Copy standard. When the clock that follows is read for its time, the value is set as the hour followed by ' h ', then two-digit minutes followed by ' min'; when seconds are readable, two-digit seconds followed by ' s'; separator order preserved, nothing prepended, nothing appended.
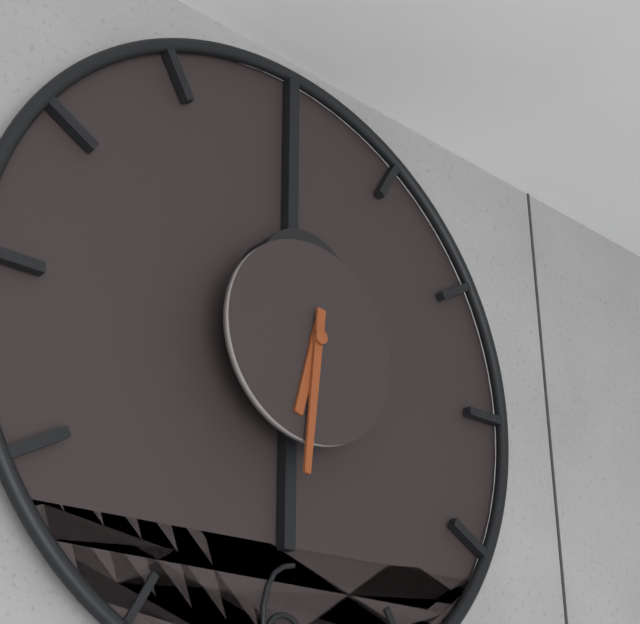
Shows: 6 h 31 min
